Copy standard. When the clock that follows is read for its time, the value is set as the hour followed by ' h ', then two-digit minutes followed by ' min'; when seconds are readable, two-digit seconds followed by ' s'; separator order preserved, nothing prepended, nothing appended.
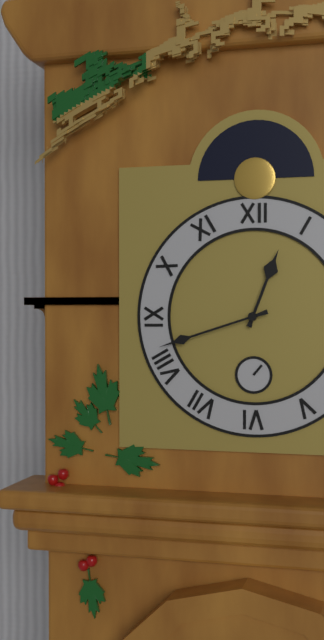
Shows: 12 h 42 min
